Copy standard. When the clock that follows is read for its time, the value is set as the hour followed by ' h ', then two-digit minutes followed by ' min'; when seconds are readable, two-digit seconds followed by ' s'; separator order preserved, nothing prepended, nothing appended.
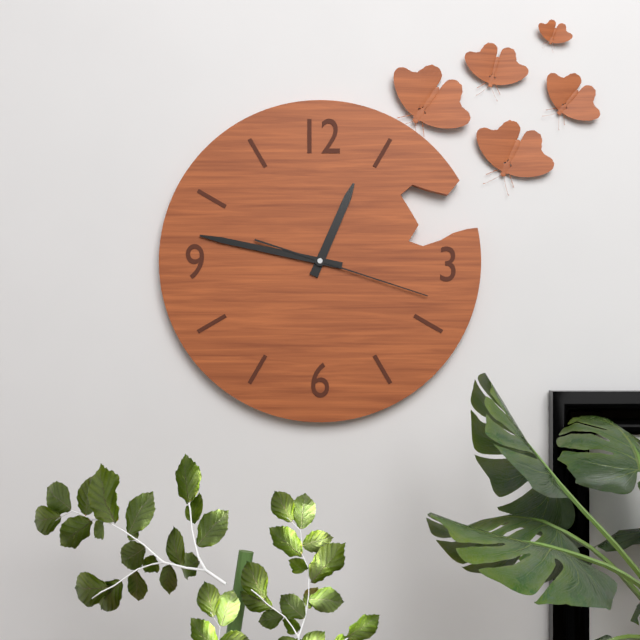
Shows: 12 h 47 min 18 s
